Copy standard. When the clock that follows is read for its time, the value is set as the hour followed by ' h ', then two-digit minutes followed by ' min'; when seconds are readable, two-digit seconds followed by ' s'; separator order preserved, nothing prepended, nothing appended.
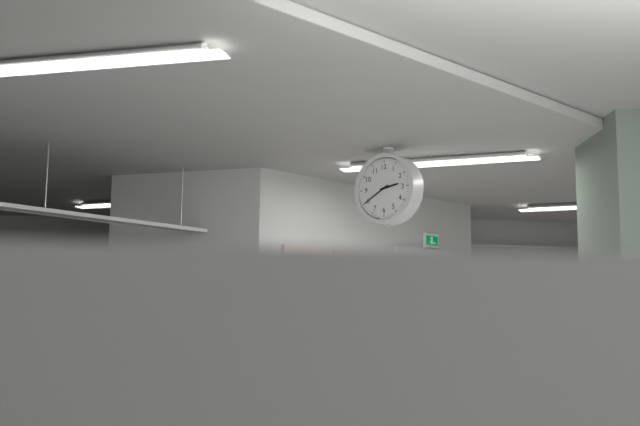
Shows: 2 h 40 min
